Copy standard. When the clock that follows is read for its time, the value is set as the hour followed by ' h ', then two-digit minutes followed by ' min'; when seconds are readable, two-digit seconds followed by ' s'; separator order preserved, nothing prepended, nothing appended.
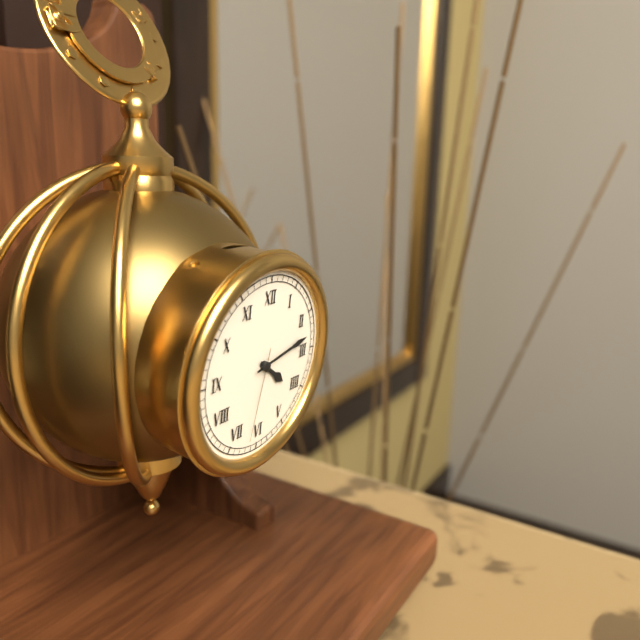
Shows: 4 h 13 min 32 s
